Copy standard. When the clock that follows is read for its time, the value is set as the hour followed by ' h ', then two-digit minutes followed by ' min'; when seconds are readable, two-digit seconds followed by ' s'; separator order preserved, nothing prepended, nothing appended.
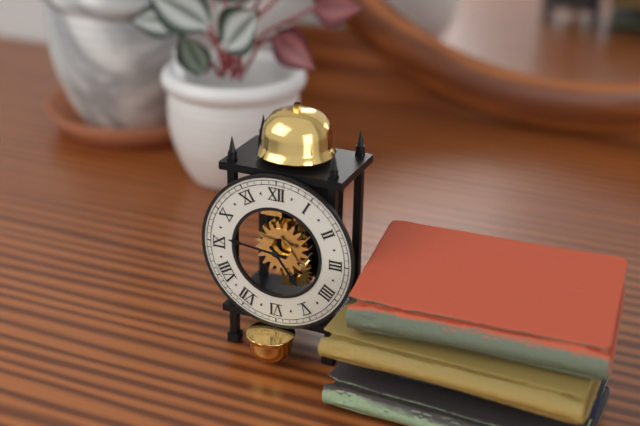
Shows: 4 h 46 min
